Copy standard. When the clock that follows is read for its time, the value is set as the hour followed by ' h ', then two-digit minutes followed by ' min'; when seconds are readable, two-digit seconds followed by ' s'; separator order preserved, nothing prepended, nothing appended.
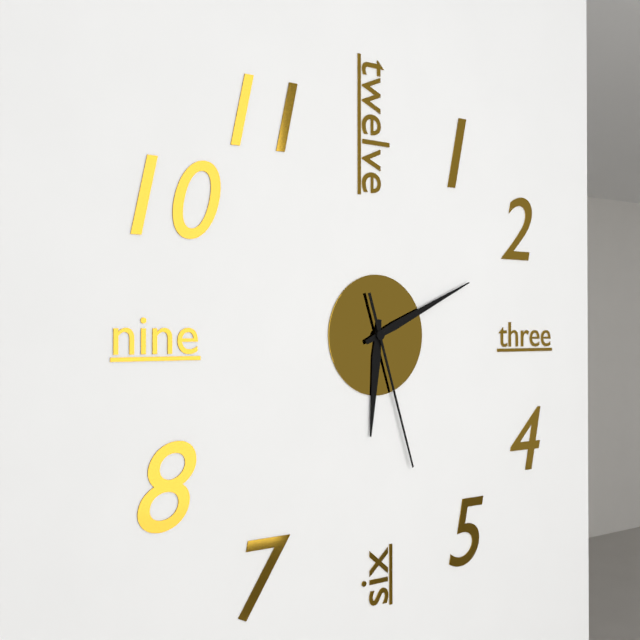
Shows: 6 h 11 min 27 s
